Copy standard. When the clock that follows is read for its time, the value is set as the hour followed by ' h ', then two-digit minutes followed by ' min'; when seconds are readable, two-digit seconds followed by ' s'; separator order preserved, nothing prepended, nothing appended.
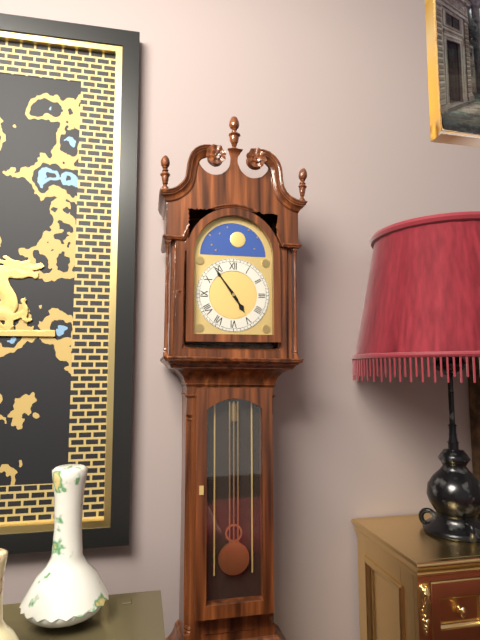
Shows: 4 h 54 min
